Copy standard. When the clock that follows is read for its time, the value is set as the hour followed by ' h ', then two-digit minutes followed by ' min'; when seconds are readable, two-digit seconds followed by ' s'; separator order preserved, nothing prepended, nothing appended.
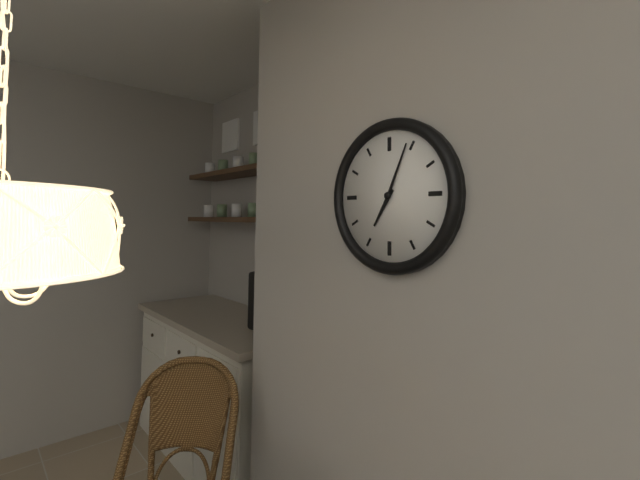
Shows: 7 h 04 min
